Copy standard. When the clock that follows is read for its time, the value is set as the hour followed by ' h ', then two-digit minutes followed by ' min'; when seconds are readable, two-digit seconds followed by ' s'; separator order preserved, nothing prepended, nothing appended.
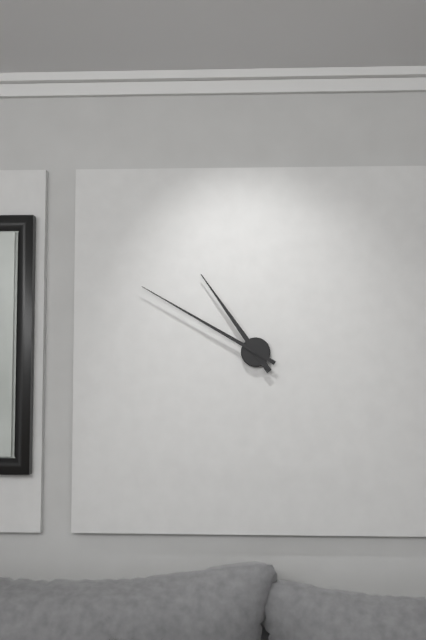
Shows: 10 h 50 min
